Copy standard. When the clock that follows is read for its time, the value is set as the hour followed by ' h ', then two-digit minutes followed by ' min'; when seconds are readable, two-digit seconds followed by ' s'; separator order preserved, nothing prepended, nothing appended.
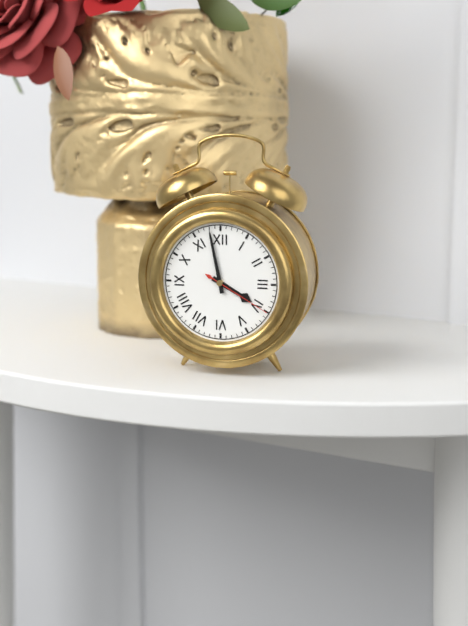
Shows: 3 h 58 min 20 s
